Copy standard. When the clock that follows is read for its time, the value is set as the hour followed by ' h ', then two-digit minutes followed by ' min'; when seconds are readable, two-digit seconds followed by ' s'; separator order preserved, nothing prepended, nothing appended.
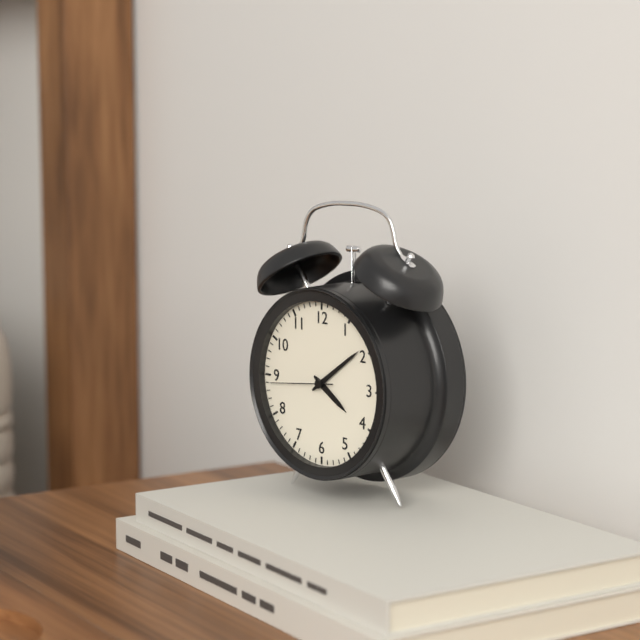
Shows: 4 h 09 min 44 s
